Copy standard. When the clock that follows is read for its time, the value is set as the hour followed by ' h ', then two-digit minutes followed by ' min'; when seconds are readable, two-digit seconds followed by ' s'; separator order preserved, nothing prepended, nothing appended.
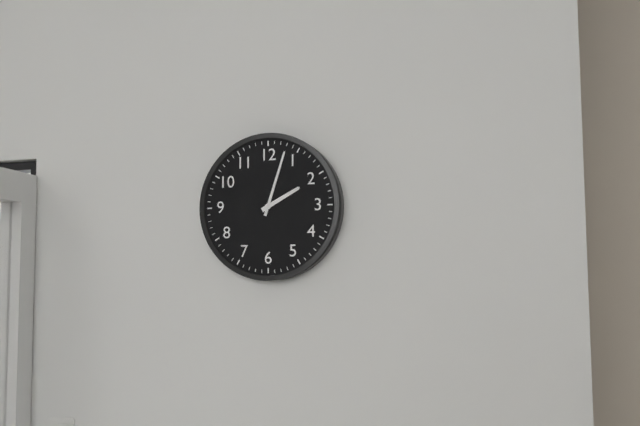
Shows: 2 h 03 min
